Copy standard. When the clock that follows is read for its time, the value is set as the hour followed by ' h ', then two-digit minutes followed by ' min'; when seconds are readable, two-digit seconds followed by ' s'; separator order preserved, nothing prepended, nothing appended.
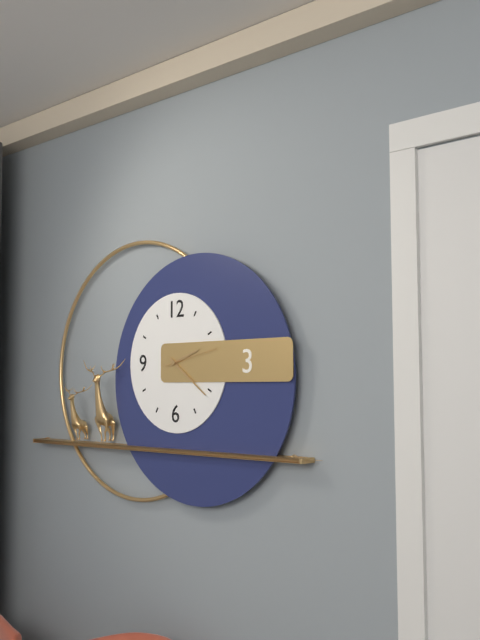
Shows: 2 h 21 min 13 s
